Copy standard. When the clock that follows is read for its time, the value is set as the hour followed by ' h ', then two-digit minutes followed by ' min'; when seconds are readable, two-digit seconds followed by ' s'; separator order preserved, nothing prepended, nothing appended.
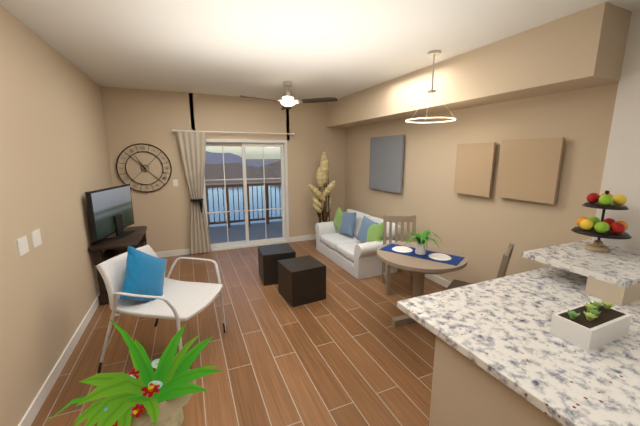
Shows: 10 h 55 min
